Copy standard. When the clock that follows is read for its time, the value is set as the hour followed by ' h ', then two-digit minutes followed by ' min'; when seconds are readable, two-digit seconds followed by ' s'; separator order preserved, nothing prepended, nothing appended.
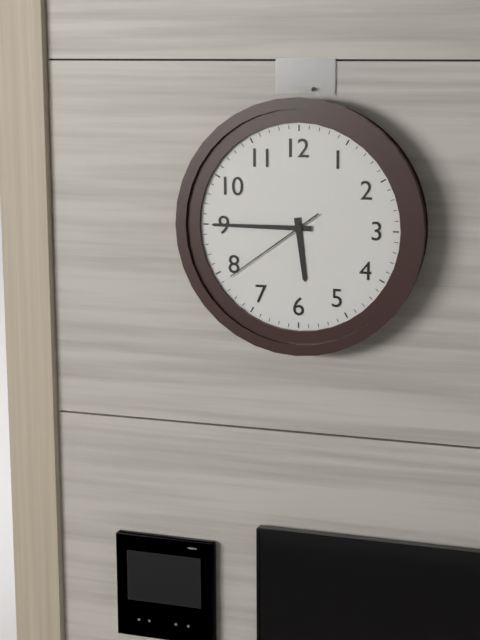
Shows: 5 h 45 min 39 s
